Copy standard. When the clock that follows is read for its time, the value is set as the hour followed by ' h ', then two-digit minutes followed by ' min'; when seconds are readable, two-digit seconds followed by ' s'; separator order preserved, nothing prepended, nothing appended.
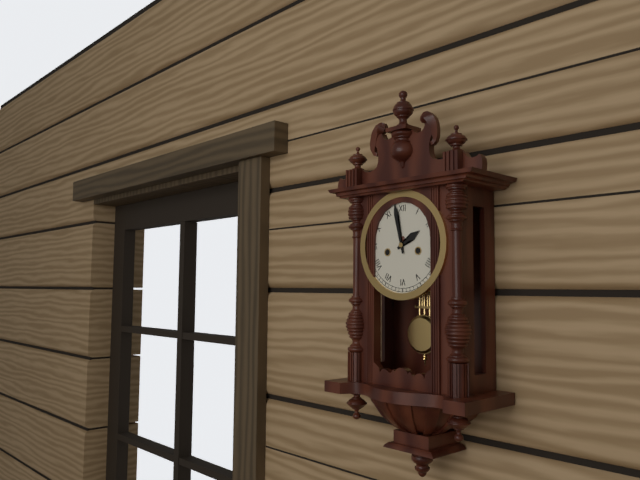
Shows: 1 h 58 min
